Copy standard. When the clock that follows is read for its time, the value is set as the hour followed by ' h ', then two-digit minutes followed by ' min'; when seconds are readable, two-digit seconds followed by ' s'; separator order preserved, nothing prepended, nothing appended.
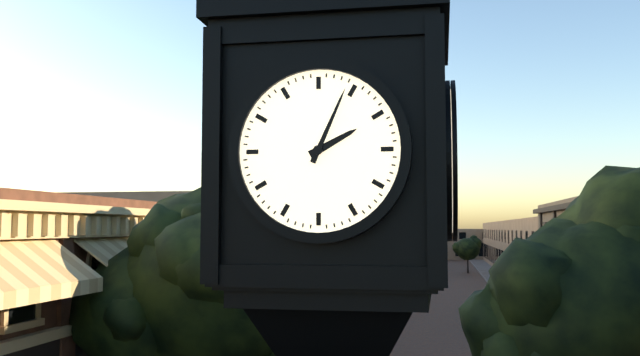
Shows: 2 h 04 min
